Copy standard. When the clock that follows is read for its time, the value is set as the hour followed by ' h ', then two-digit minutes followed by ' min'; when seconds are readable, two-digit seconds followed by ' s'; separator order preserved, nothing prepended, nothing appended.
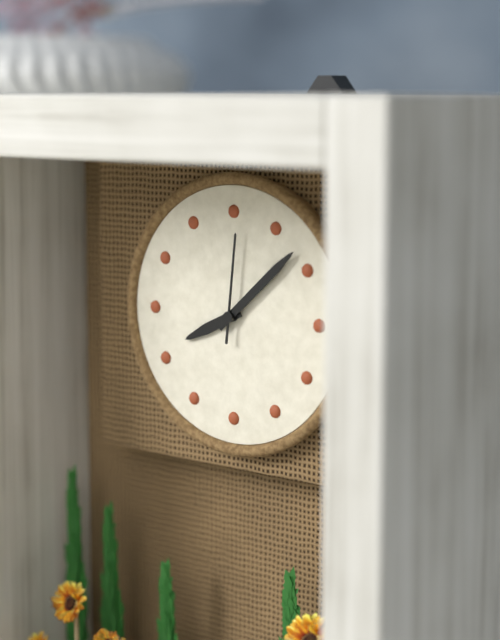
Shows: 8 h 08 min 01 s
